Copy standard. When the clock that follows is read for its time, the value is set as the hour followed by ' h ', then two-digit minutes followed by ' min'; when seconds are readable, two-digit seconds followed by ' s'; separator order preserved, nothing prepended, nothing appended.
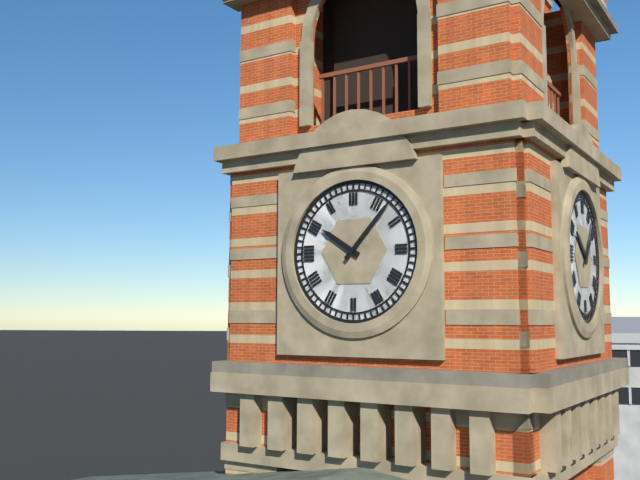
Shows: 10 h 07 min
